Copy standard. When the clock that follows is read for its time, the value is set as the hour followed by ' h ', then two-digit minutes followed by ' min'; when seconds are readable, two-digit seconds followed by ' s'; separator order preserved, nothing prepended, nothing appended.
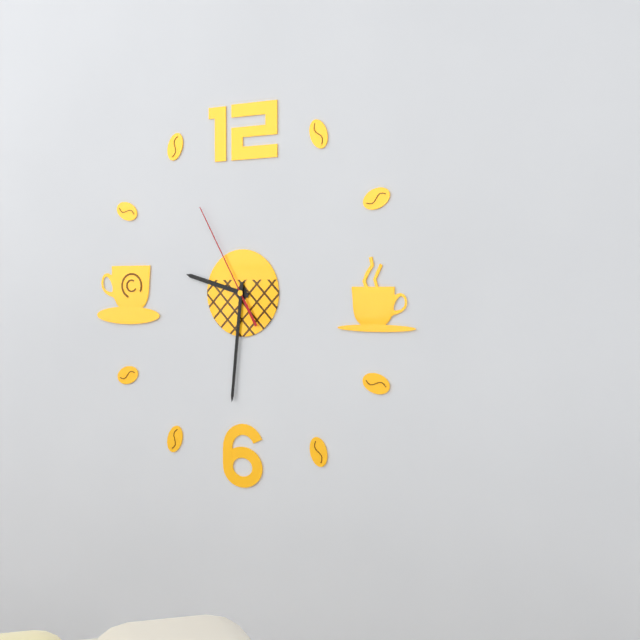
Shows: 9 h 31 min 55 s
